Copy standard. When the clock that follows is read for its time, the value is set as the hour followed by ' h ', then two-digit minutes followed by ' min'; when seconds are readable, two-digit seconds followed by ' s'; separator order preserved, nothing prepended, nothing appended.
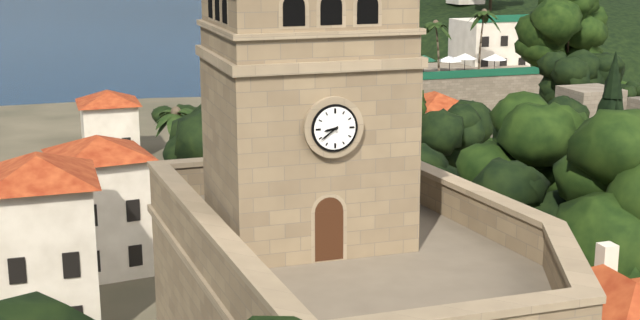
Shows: 8 h 39 min
